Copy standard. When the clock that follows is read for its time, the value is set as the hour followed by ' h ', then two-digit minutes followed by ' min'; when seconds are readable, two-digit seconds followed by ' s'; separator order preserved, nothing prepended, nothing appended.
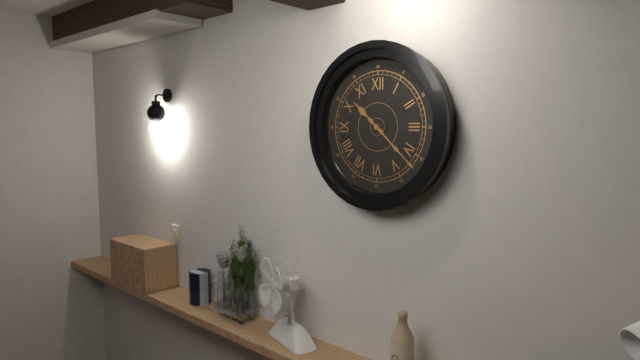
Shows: 10 h 22 min
